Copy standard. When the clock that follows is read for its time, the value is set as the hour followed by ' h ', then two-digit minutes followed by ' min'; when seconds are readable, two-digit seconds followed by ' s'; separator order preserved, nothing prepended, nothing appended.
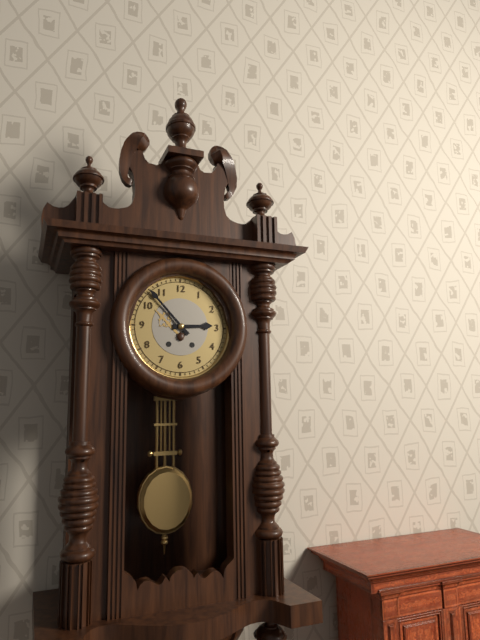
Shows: 2 h 53 min
